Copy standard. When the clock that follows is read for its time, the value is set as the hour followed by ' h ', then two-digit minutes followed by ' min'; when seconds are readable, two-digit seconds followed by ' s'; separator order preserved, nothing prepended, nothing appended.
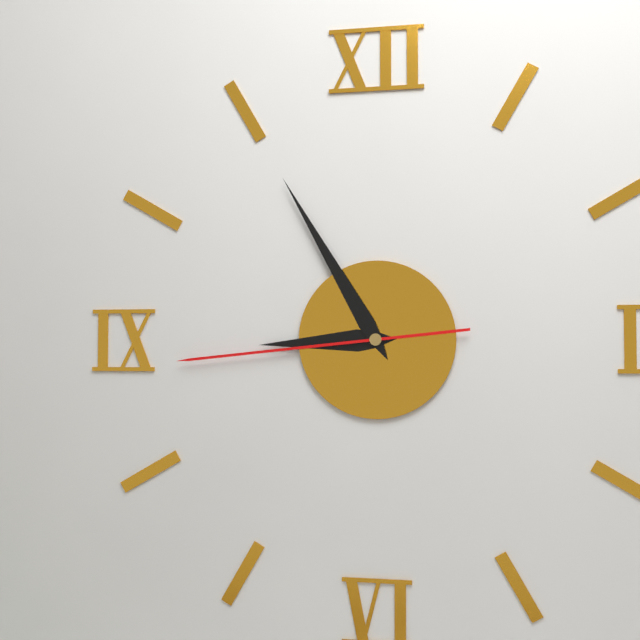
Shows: 8 h 55 min 44 s
